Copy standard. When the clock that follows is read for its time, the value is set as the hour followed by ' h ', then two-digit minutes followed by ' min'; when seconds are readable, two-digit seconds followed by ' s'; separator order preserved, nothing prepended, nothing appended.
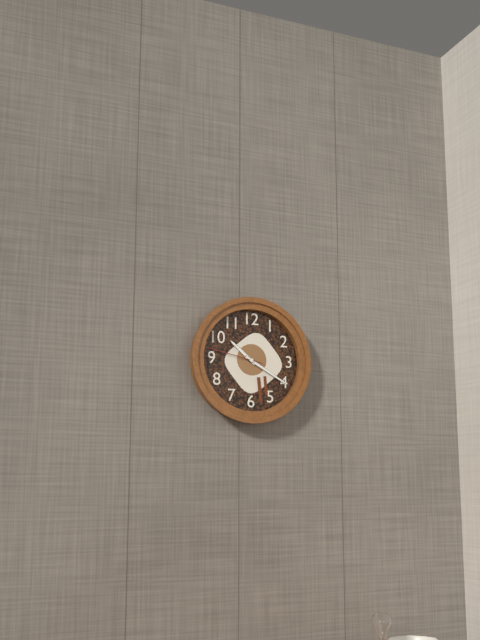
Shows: 10 h 20 min 47 s
